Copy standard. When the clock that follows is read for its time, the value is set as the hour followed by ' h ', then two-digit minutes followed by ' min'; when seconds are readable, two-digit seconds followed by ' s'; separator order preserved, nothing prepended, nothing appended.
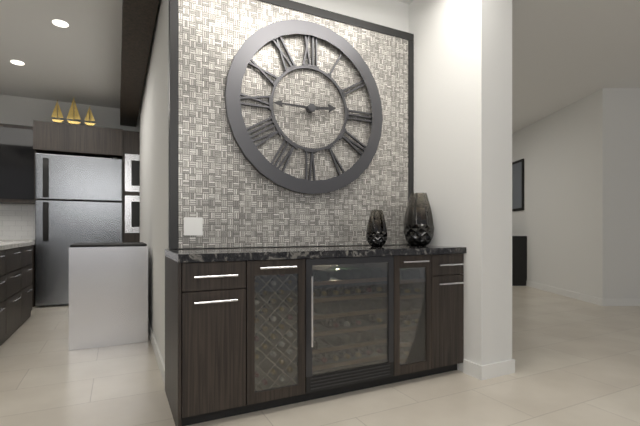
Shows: 2 h 45 min
